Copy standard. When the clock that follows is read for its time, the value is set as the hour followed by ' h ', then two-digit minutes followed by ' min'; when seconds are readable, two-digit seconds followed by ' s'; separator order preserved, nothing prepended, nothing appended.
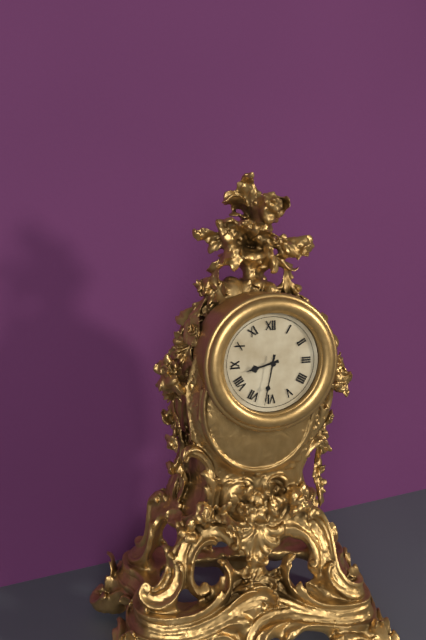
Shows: 8 h 32 min
